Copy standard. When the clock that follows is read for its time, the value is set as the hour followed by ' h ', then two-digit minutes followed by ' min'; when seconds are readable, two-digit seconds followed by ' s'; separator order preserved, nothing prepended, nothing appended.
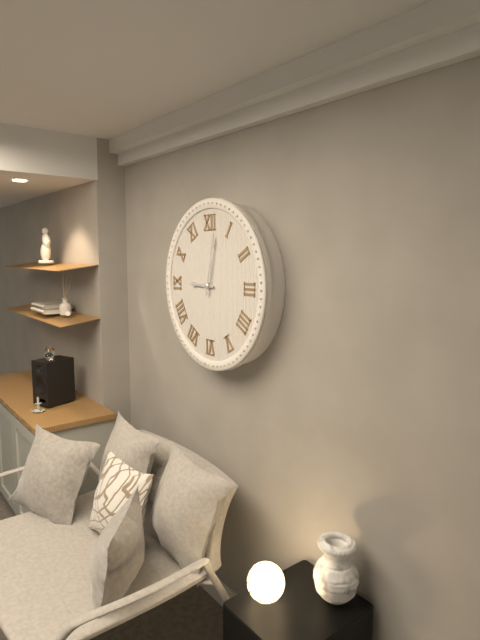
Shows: 9 h 02 min
